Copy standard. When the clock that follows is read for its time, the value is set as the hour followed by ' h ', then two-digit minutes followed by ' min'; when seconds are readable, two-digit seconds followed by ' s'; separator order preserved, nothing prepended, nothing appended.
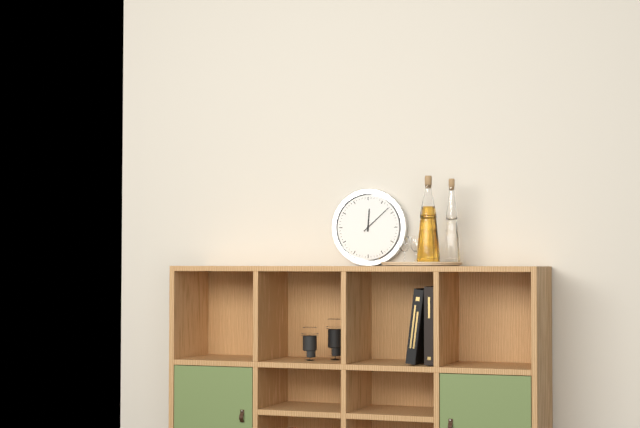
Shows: 12 h 08 min
